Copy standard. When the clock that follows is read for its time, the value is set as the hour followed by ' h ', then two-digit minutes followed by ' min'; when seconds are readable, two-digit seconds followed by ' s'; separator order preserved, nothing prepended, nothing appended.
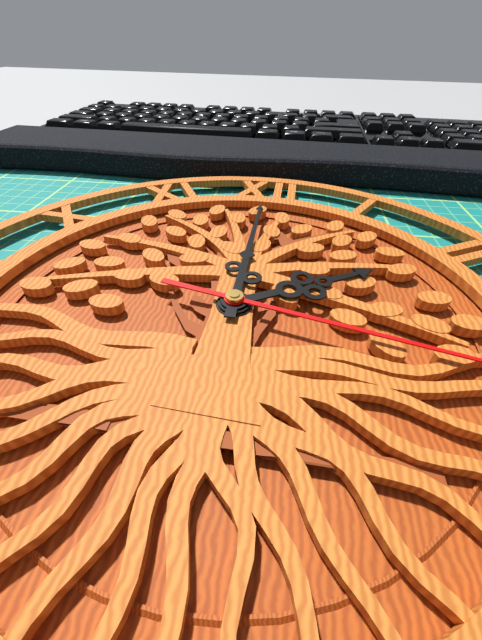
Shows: 2 h 00 min
